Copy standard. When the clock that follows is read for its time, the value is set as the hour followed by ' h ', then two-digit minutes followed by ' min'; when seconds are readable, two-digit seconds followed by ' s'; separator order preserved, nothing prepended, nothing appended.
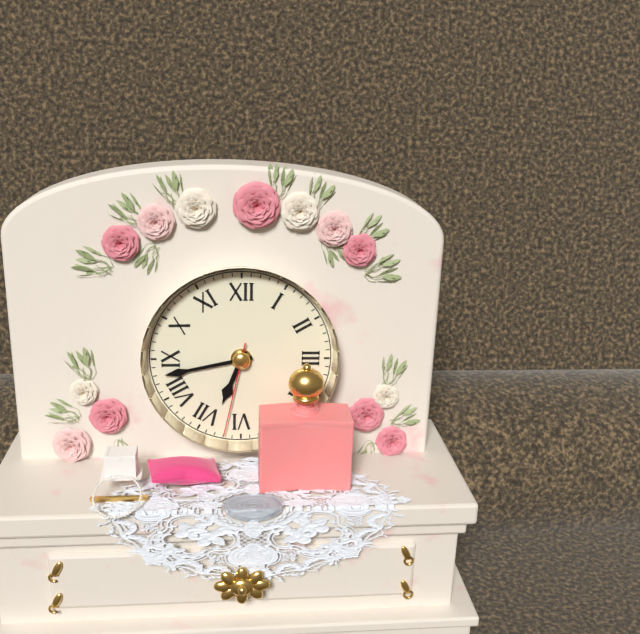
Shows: 6 h 43 min 32 s
